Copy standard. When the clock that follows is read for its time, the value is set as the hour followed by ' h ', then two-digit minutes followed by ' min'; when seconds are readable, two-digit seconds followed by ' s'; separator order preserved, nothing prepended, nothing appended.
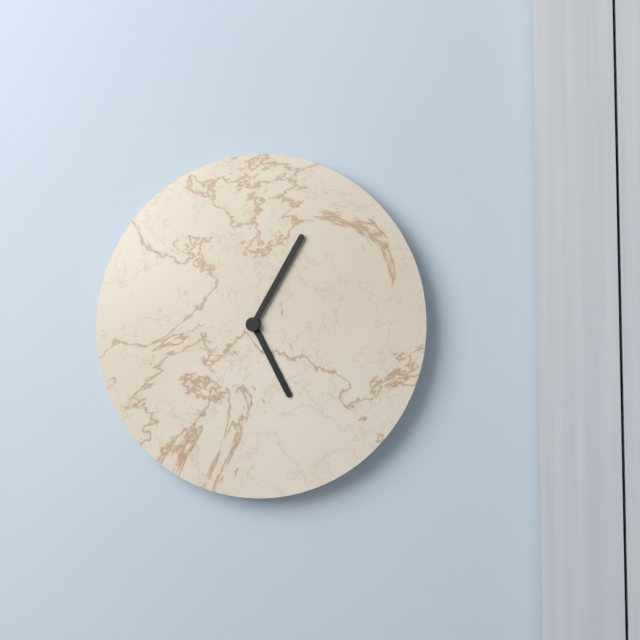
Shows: 5 h 05 min
